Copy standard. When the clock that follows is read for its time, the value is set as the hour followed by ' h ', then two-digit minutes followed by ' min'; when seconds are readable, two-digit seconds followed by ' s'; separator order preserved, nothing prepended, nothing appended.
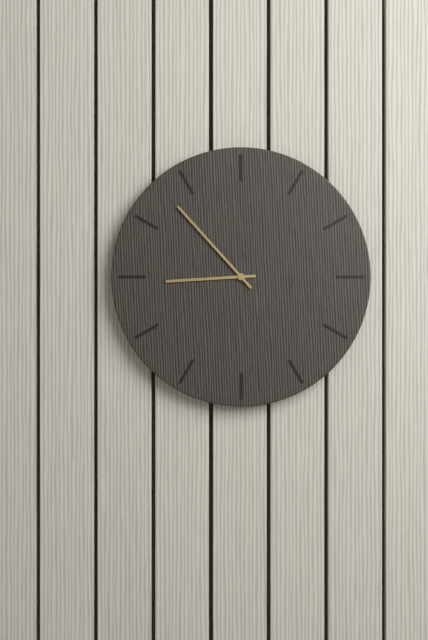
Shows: 8 h 53 min
